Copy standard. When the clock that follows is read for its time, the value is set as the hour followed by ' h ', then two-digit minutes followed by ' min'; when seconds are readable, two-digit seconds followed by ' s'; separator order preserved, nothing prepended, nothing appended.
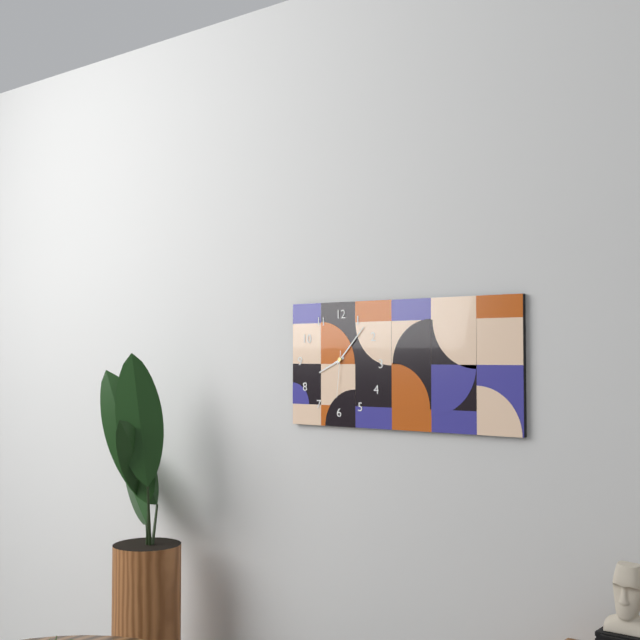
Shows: 8 h 07 min
